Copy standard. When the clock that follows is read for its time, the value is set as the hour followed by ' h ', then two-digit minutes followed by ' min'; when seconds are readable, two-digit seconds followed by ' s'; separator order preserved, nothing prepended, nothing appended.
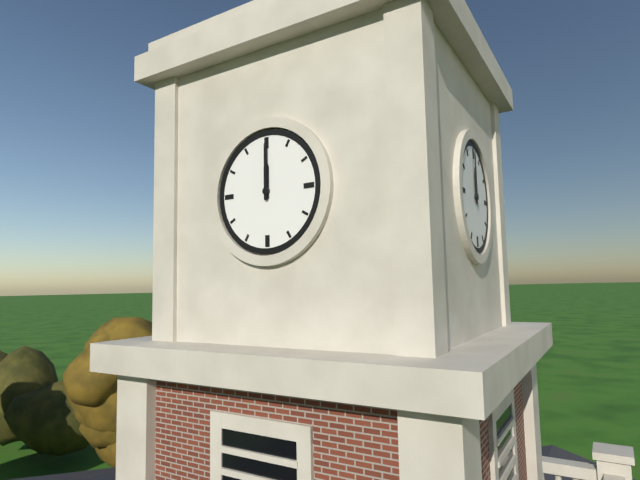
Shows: 12 h 00 min
